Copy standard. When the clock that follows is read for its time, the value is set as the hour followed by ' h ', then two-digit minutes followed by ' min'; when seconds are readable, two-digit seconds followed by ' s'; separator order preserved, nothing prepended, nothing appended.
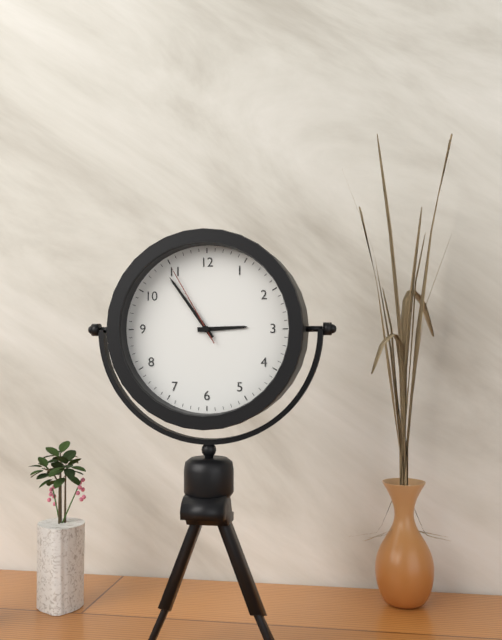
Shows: 2 h 54 min 55 s
